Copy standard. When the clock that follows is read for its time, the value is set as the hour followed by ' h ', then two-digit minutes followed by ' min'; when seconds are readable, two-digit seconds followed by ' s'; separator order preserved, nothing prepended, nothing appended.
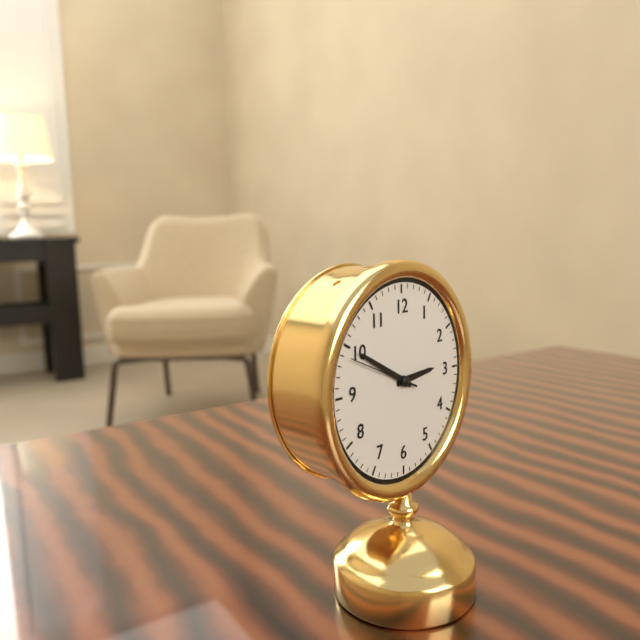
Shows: 2 h 50 min 49 s
